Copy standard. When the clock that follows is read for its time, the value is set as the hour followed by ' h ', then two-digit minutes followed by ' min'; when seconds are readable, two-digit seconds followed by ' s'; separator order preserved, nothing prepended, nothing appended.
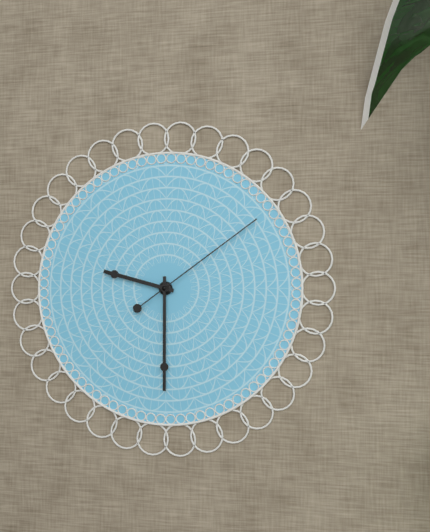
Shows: 9 h 30 min 09 s
